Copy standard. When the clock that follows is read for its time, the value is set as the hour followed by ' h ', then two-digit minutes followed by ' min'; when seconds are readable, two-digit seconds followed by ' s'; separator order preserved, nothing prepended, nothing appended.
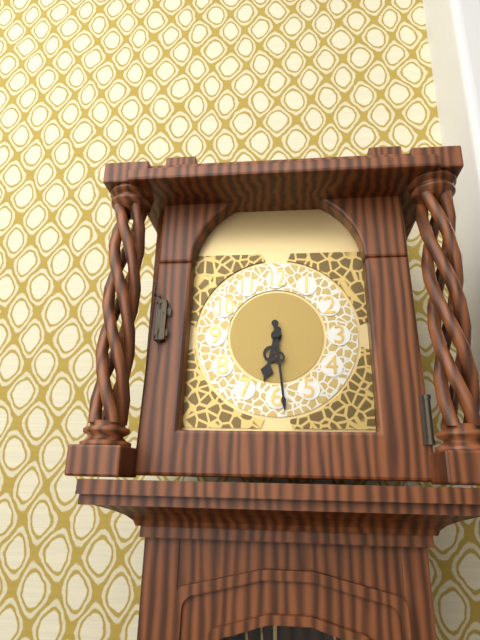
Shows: 6 h 29 min
